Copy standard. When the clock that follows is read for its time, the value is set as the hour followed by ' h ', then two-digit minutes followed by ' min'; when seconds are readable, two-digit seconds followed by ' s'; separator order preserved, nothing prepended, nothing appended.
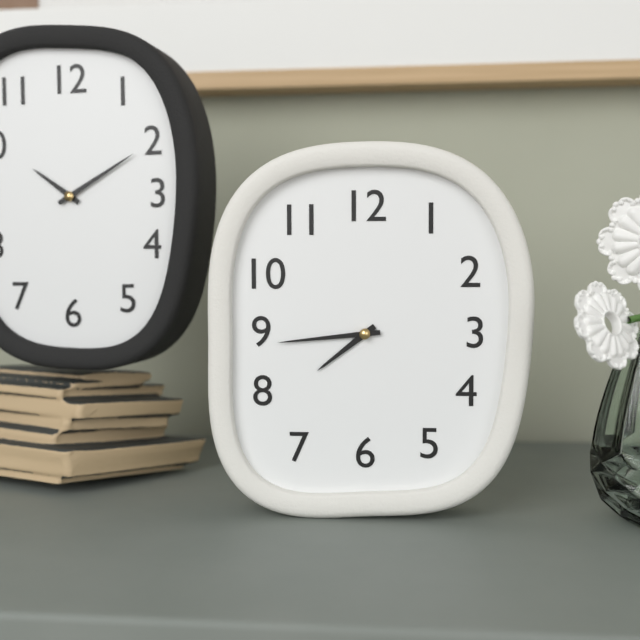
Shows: 7 h 44 min
